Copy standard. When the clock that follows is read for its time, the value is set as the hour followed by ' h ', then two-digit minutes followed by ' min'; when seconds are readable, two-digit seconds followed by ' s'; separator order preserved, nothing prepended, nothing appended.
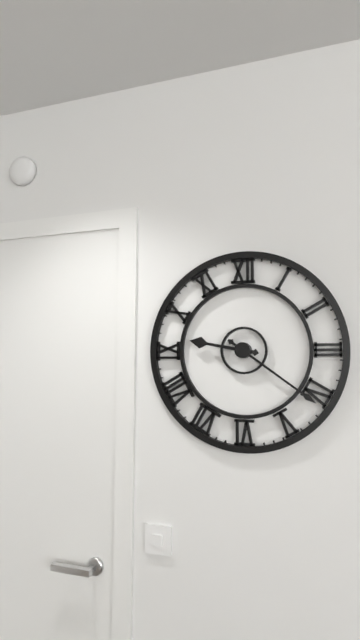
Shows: 9 h 21 min
